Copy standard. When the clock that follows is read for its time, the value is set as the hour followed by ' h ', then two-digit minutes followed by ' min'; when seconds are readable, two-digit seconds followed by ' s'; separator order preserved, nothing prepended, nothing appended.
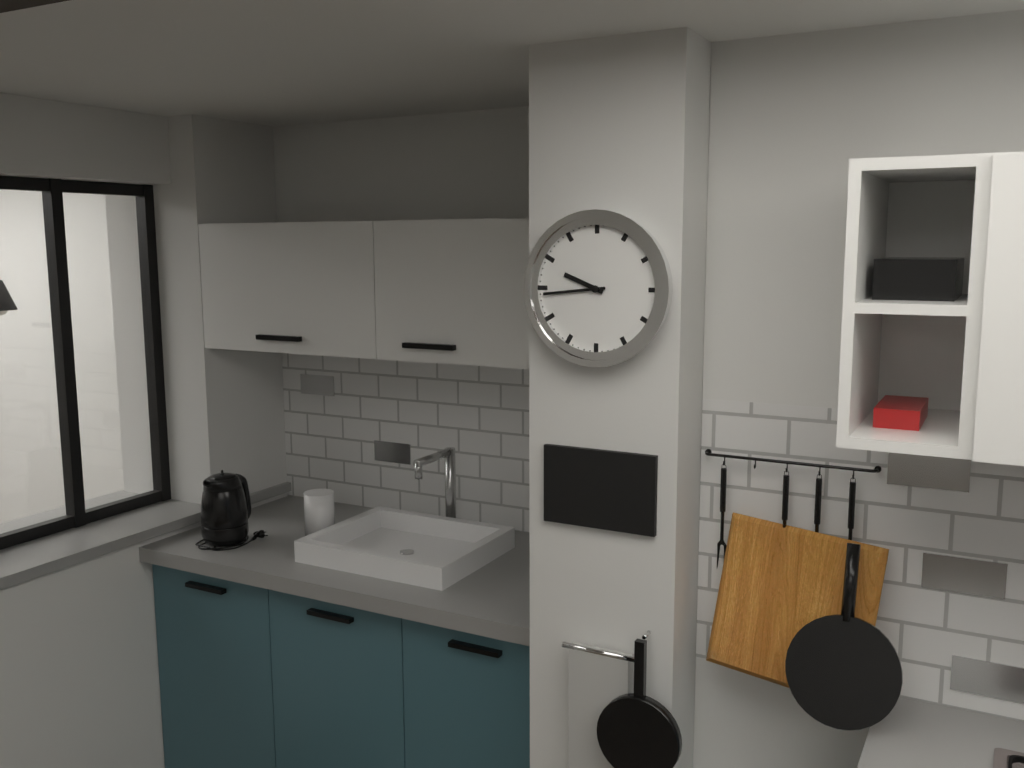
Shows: 9 h 44 min
